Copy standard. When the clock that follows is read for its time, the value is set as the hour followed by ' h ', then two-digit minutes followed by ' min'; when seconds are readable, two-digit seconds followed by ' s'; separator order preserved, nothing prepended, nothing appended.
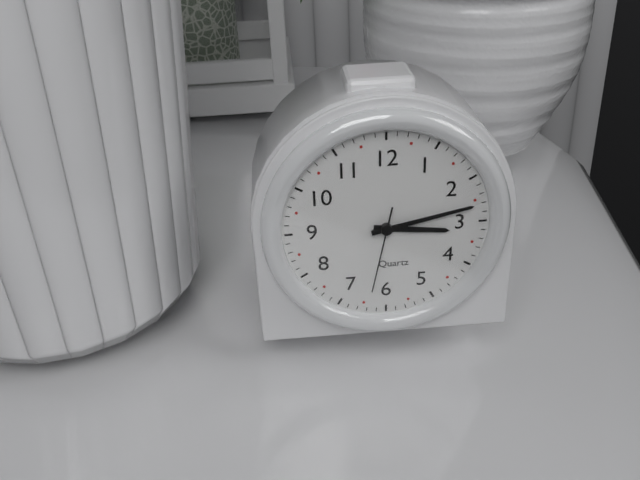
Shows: 3 h 13 min 32 s
